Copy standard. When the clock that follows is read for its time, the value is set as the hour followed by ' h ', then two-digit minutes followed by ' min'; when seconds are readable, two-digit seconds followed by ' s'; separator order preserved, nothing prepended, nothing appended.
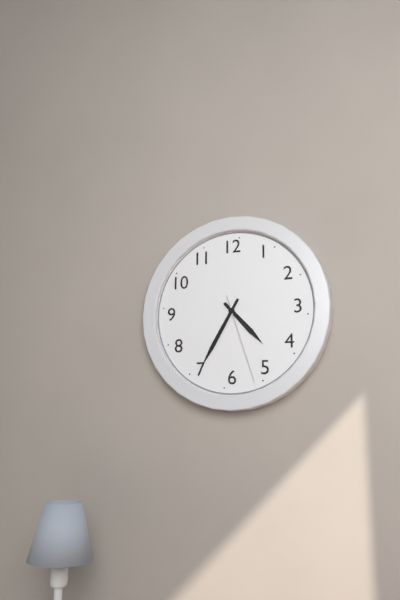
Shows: 4 h 35 min 27 s
